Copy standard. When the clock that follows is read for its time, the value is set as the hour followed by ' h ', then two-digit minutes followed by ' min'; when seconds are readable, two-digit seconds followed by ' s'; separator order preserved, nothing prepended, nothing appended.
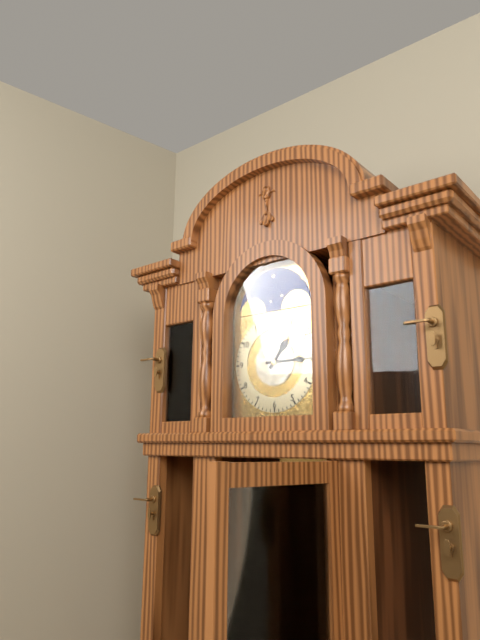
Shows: 1 h 15 min
